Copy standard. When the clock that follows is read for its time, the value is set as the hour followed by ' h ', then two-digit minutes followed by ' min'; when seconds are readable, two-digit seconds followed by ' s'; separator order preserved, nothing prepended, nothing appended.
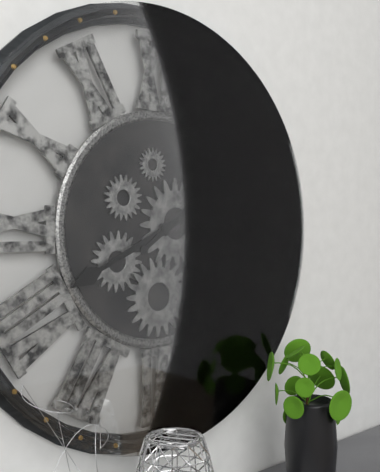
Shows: 8 h 09 min
